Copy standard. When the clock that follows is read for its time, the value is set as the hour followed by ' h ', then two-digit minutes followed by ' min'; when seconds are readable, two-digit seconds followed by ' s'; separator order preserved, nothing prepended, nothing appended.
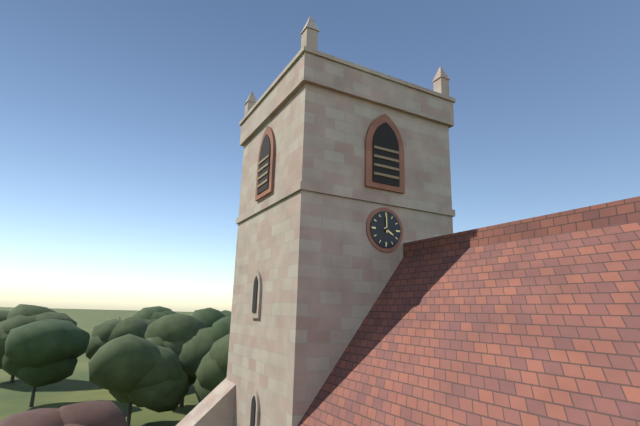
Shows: 4 h 00 min
